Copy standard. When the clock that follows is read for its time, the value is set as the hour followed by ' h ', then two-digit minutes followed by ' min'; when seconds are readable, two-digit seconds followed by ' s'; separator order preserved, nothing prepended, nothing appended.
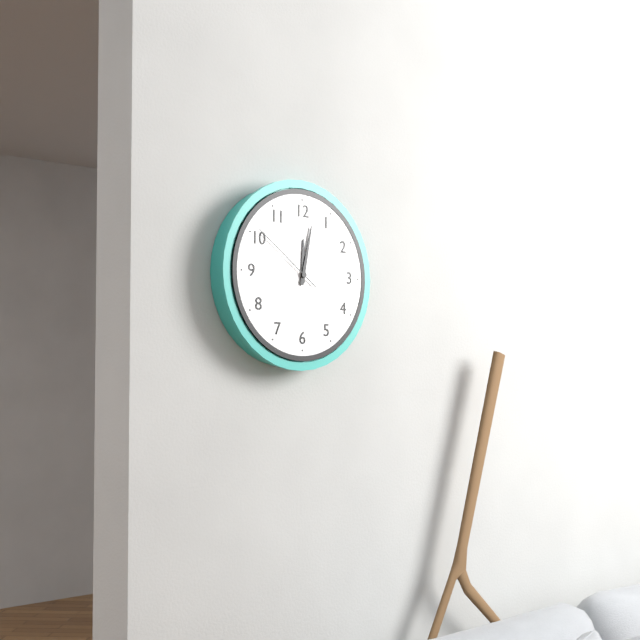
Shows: 12 h 02 min 51 s
